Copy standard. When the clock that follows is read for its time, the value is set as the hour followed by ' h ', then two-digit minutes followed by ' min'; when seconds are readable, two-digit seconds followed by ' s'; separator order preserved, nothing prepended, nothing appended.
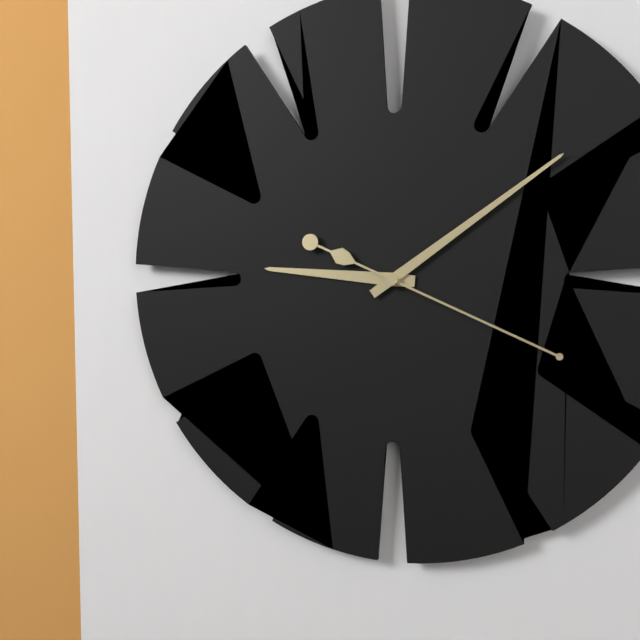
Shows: 9 h 09 min 19 s
